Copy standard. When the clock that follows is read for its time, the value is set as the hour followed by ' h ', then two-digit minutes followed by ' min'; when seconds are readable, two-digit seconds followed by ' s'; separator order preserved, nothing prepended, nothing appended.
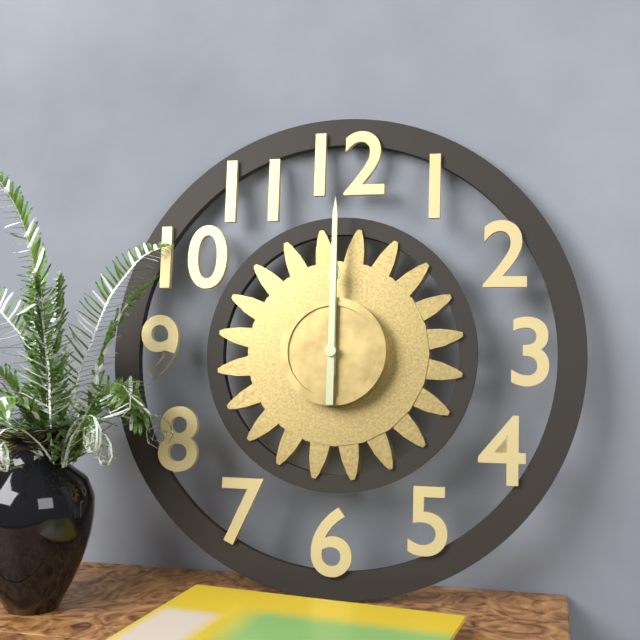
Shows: 12 h 00 min
